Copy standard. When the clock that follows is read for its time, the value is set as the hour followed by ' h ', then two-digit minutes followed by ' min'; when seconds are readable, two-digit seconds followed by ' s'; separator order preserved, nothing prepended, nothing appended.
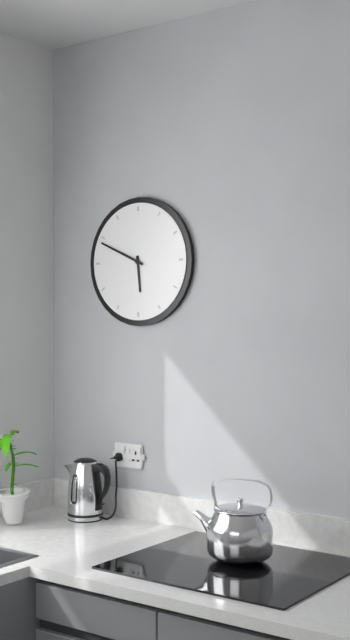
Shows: 5 h 49 min
